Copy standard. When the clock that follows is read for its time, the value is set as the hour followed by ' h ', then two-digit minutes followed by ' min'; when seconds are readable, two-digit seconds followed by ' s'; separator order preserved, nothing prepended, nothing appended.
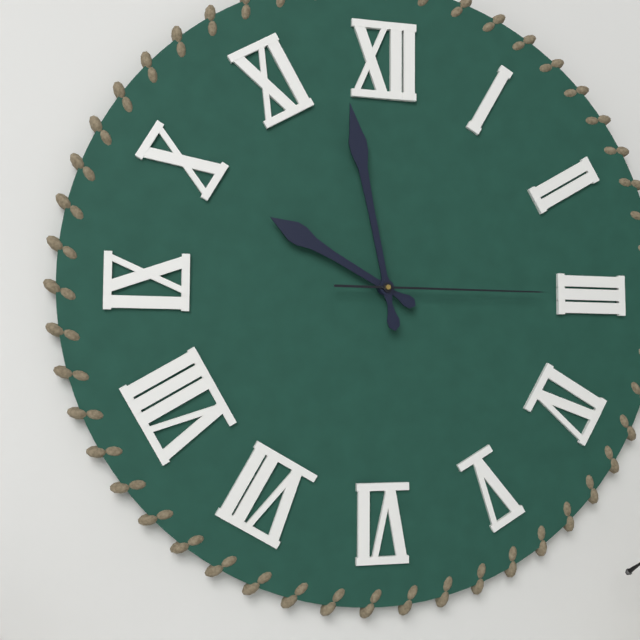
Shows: 9 h 58 min 15 s
